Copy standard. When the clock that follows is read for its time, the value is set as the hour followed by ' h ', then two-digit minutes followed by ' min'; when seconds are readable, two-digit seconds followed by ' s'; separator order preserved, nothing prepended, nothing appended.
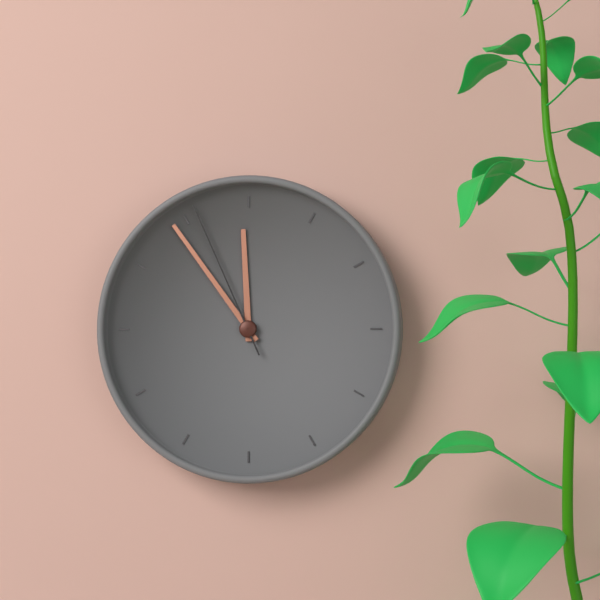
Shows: 11 h 54 min 56 s
